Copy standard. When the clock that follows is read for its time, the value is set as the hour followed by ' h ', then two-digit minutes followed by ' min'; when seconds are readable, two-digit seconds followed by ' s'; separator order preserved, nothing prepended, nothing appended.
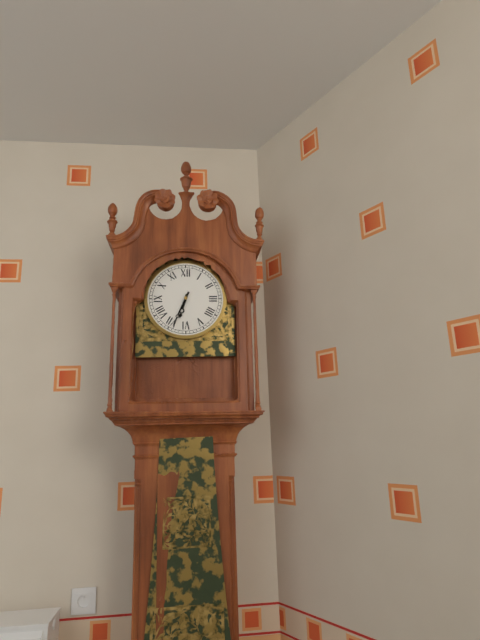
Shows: 6 h 34 min
